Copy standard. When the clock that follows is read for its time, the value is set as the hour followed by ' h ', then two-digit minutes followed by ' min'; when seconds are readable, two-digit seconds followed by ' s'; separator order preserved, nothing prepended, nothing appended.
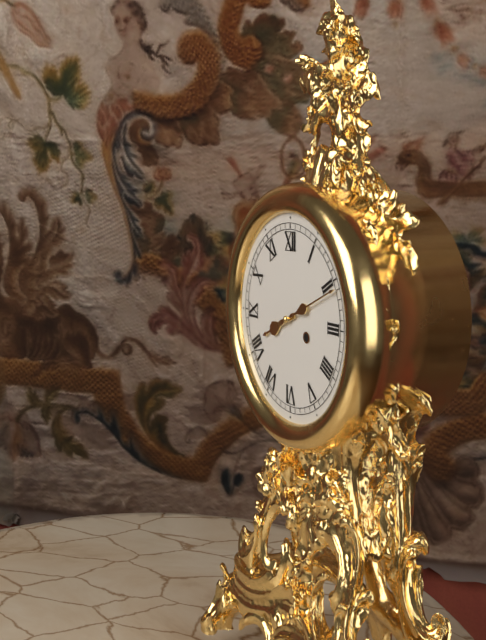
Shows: 8 h 11 min
